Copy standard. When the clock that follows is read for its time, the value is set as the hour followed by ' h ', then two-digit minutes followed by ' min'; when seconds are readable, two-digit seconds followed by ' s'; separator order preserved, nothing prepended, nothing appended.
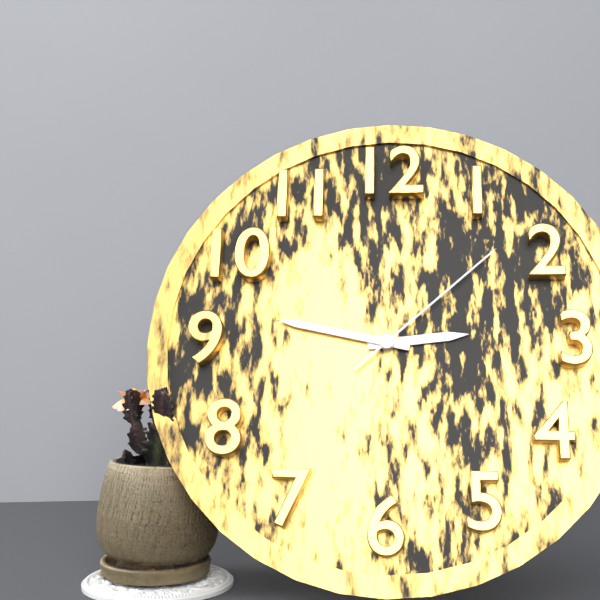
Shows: 2 h 47 min 08 s
